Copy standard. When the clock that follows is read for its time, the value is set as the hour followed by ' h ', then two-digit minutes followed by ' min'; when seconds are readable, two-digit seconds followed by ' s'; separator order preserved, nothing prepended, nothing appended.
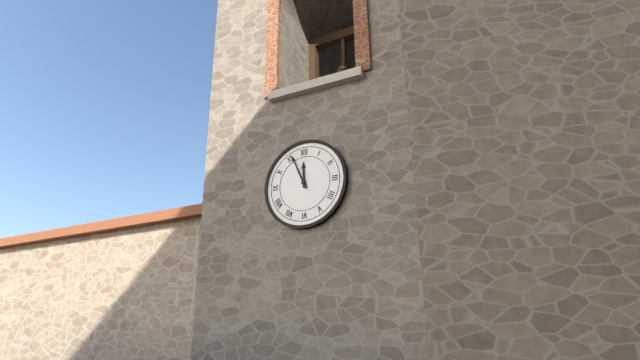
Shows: 11 h 56 min
